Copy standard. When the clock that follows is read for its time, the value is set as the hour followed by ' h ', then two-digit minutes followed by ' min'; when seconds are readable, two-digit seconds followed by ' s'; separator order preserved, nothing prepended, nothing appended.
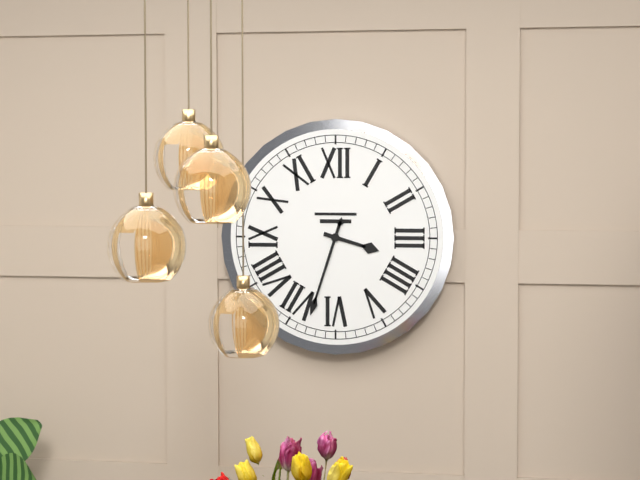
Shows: 3 h 33 min
